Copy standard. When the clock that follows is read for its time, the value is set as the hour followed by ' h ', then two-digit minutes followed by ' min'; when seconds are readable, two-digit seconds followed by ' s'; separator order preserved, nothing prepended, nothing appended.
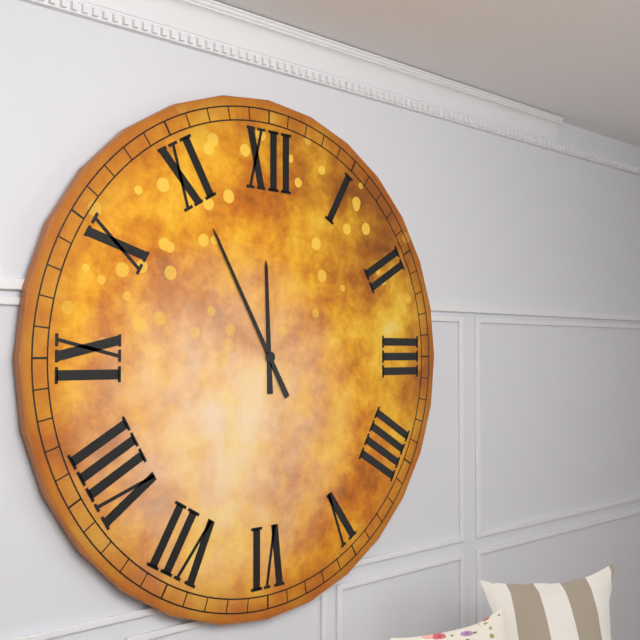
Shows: 11 h 55 min
